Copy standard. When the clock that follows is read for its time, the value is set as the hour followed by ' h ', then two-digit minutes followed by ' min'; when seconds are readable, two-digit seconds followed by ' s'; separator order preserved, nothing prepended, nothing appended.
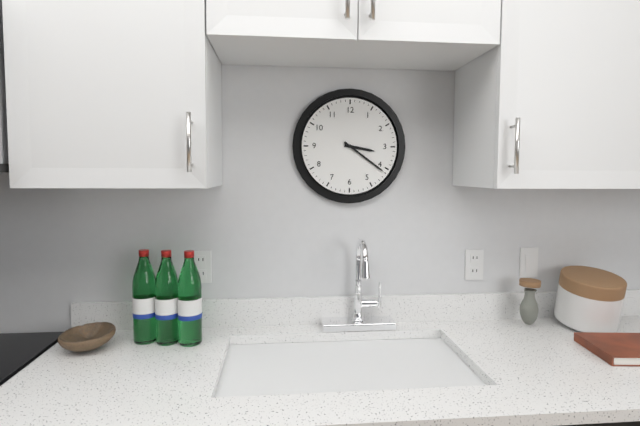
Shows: 3 h 21 min
